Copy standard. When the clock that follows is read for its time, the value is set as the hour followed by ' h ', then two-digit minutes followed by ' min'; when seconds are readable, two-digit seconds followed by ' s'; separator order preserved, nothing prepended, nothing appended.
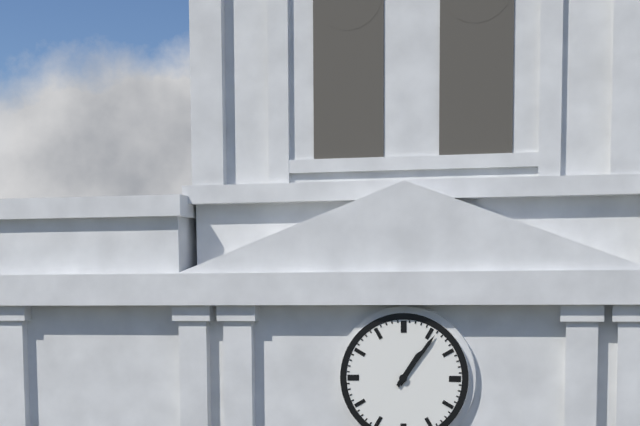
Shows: 1 h 06 min
